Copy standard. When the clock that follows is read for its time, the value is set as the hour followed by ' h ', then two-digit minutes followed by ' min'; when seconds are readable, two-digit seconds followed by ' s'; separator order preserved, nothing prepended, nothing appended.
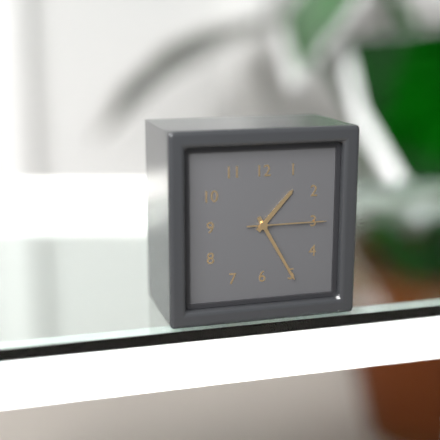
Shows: 1 h 25 min 15 s
